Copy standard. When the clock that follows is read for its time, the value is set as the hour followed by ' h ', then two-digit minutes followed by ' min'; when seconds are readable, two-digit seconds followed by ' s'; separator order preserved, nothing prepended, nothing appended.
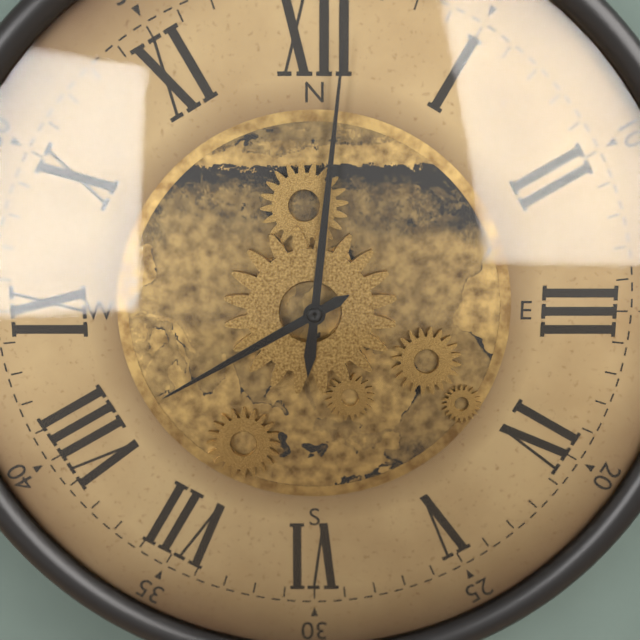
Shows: 8 h 01 min
